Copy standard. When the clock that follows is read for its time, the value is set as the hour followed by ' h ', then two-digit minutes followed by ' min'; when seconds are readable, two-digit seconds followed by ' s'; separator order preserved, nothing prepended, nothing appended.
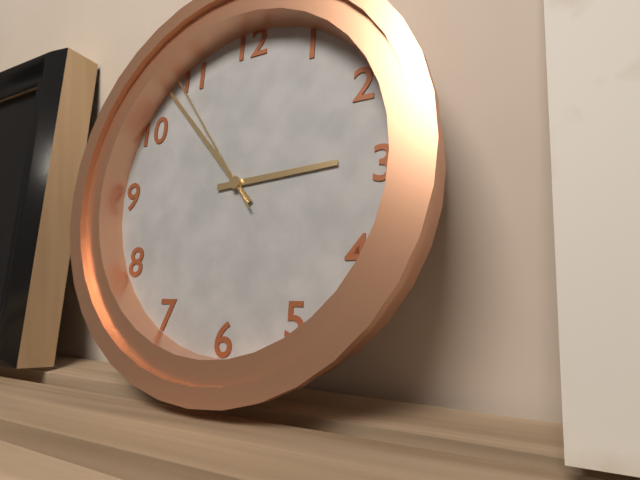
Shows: 2 h 53 min 54 s
